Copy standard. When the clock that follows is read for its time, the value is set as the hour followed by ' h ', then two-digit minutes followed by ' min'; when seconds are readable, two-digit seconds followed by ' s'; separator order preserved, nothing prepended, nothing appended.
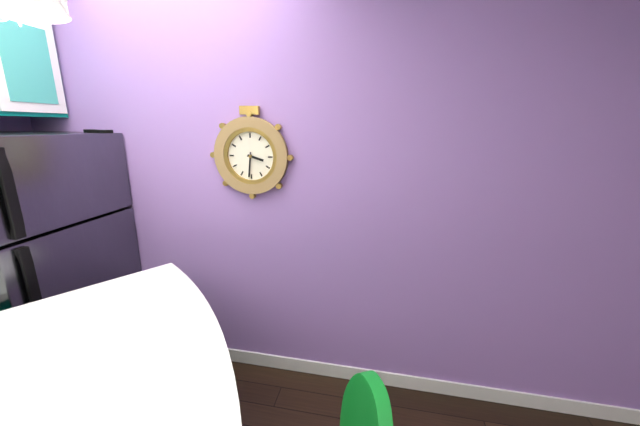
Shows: 3 h 31 min
